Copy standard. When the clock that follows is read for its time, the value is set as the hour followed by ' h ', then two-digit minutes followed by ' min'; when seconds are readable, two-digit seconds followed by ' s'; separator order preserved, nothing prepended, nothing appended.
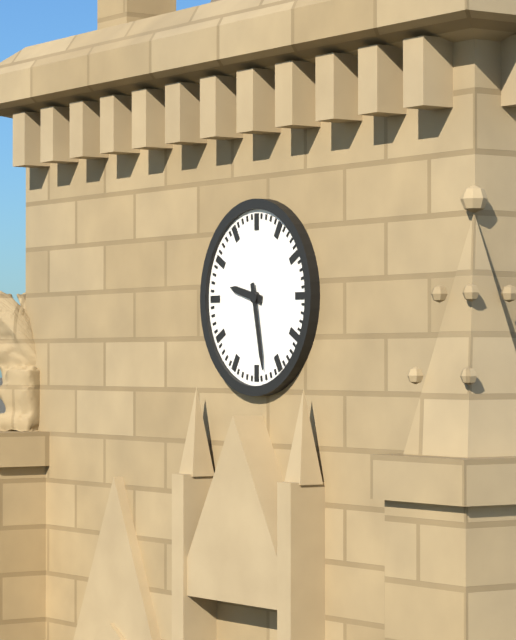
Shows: 9 h 28 min
